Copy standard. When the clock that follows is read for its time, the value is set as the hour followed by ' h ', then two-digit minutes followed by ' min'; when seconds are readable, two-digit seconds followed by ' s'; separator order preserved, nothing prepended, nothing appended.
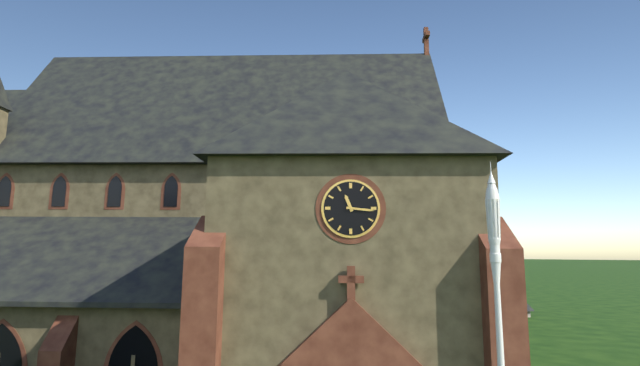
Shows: 11 h 16 min
